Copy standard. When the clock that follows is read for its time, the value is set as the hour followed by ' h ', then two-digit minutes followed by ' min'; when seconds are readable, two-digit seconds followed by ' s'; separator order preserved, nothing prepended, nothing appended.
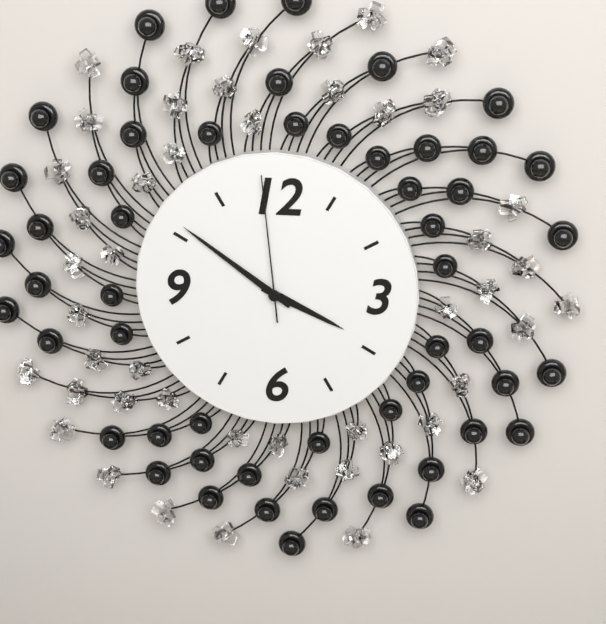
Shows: 3 h 51 min 59 s
